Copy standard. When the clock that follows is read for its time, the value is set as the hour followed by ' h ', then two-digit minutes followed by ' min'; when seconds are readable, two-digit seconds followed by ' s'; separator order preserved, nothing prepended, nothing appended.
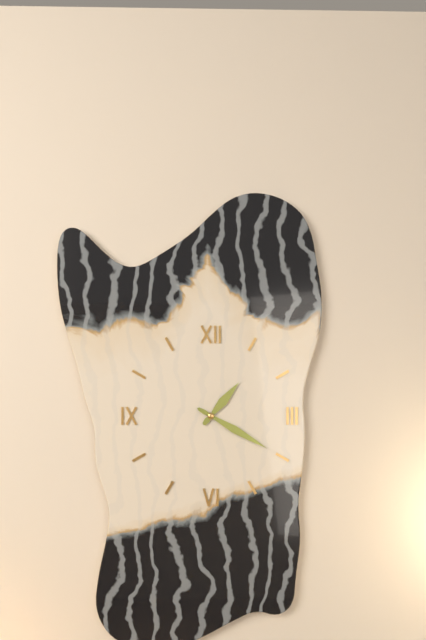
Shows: 1 h 20 min
